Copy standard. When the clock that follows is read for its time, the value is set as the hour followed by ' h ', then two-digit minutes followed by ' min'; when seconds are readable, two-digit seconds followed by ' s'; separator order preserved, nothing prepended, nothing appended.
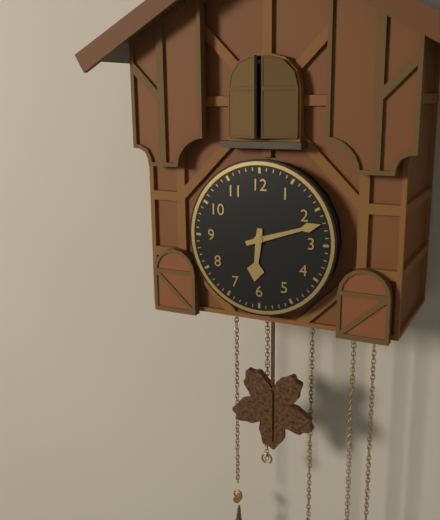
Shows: 6 h 12 min
